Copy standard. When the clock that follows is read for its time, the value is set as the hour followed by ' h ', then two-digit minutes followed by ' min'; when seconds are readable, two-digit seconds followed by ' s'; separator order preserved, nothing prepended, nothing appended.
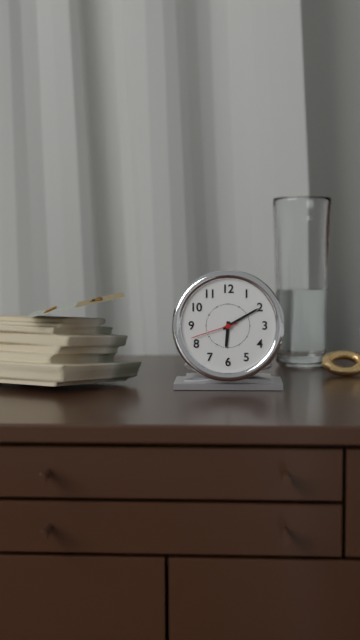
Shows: 6 h 10 min
